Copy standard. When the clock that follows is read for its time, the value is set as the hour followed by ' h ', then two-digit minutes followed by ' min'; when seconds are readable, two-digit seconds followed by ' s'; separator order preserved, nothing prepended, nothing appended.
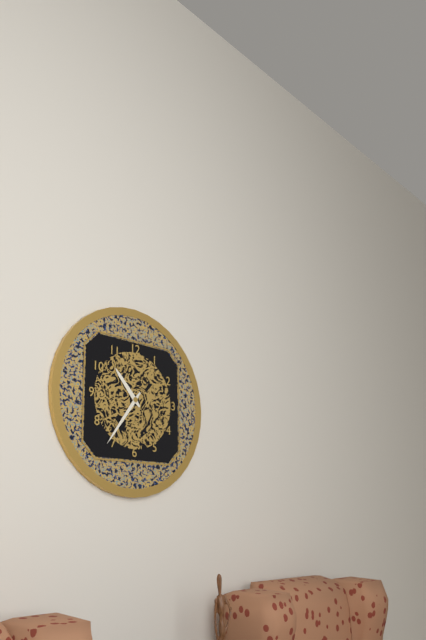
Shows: 10 h 36 min
